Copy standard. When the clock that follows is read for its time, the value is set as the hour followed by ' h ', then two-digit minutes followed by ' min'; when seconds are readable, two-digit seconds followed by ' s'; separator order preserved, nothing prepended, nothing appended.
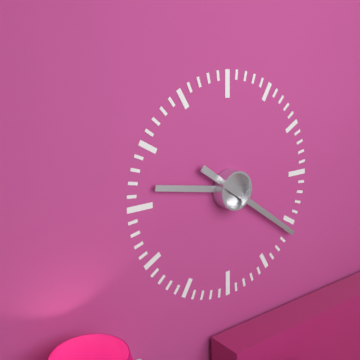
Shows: 9 h 21 min
